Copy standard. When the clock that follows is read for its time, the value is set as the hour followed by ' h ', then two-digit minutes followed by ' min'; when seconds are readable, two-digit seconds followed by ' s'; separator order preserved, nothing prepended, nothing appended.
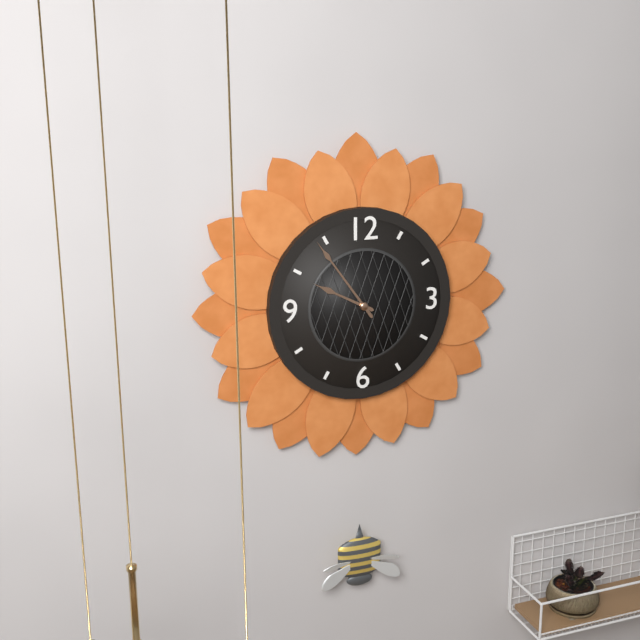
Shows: 9 h 54 min
